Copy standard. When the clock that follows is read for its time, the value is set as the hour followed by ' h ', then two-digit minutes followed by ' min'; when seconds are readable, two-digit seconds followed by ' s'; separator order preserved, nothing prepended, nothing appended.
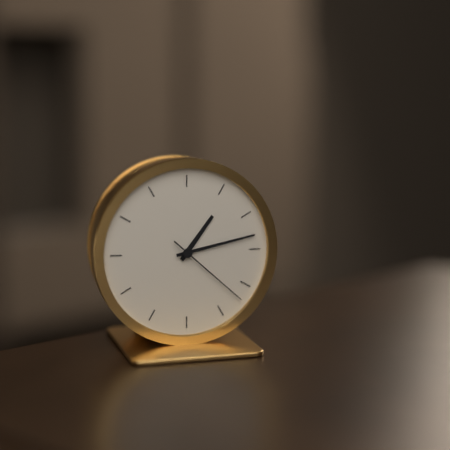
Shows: 1 h 13 min 22 s
